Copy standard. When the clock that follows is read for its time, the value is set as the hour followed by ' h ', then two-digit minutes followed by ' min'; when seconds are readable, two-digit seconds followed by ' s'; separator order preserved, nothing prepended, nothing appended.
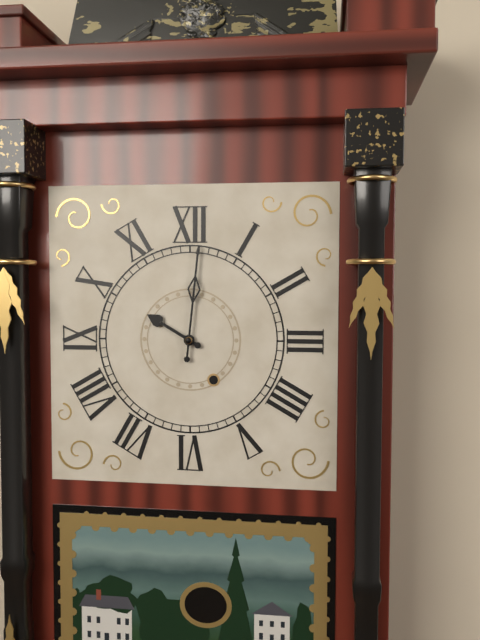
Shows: 10 h 01 min
